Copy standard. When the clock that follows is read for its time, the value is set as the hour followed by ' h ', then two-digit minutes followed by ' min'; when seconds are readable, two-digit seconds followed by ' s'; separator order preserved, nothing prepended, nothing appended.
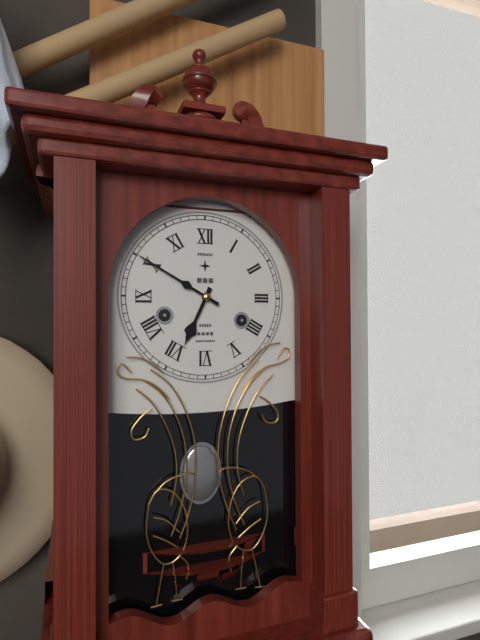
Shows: 6 h 50 min
